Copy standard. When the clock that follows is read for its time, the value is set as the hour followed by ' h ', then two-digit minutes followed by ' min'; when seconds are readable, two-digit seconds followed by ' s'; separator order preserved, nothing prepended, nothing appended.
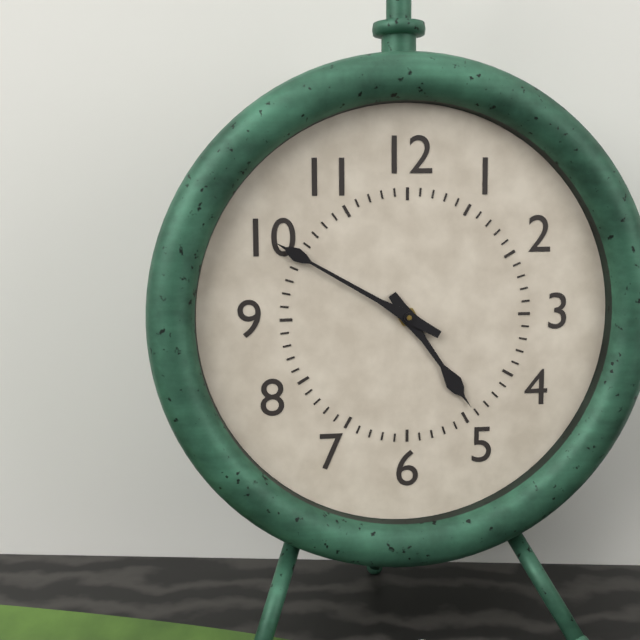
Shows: 4 h 50 min
